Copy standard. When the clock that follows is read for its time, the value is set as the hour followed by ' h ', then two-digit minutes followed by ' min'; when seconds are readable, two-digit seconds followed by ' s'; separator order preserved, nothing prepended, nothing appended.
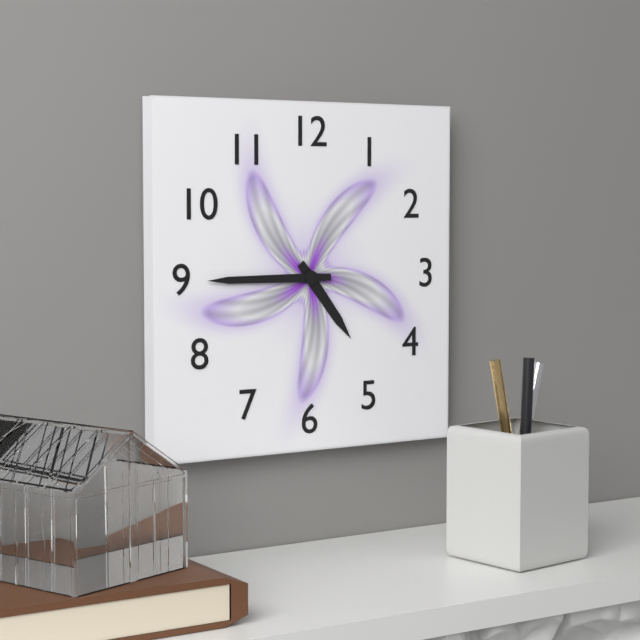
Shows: 4 h 45 min
